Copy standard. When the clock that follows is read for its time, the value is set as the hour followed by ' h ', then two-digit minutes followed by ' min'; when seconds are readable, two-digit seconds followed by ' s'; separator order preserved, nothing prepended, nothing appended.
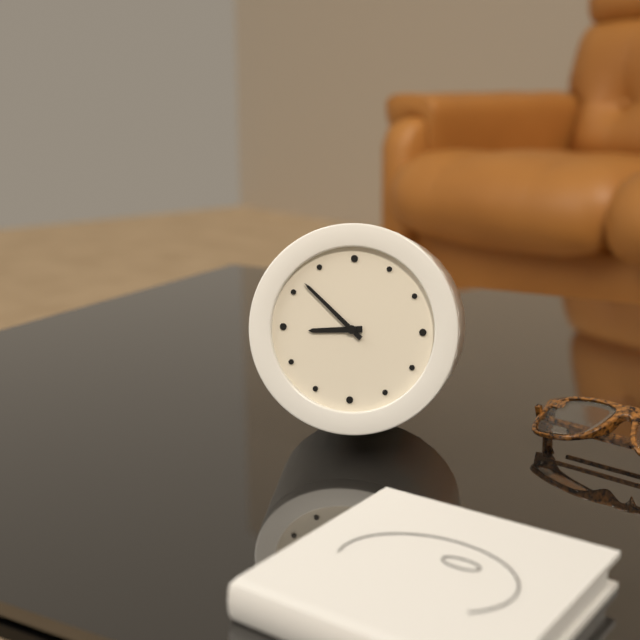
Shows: 8 h 52 min
